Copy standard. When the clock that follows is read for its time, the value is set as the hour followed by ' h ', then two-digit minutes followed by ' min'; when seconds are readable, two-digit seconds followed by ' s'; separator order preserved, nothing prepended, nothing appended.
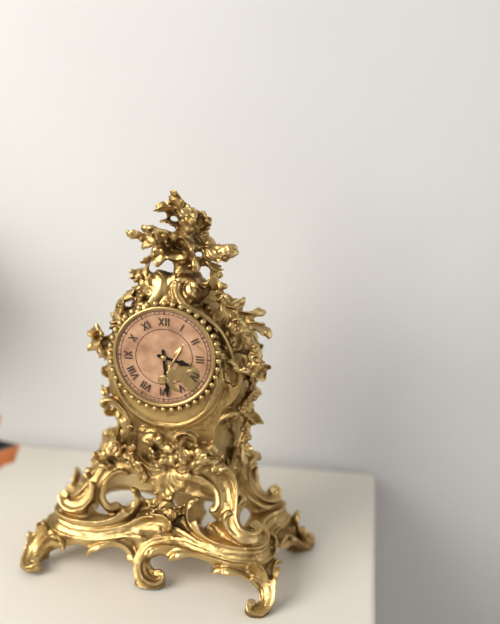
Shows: 3 h 29 min
